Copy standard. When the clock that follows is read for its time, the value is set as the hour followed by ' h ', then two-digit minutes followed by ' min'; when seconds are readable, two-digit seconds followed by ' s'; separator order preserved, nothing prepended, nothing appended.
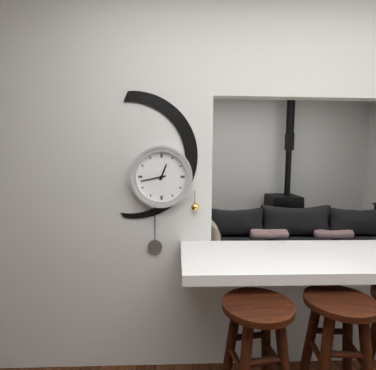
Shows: 12 h 43 min
